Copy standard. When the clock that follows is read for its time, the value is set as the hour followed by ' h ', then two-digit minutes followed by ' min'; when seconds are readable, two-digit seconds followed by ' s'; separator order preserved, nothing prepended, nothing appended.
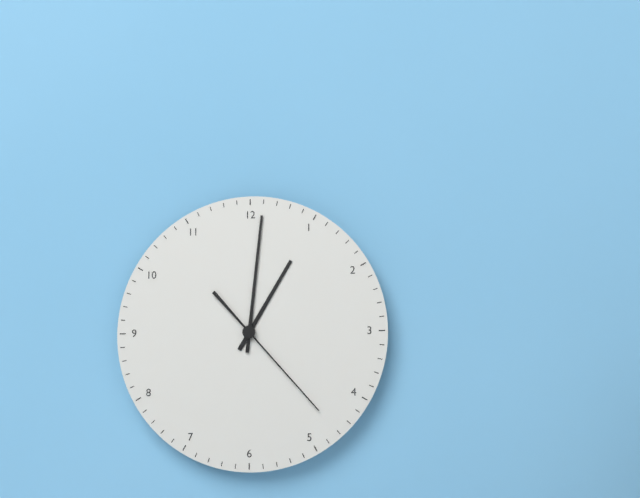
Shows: 1 h 01 min 23 s
